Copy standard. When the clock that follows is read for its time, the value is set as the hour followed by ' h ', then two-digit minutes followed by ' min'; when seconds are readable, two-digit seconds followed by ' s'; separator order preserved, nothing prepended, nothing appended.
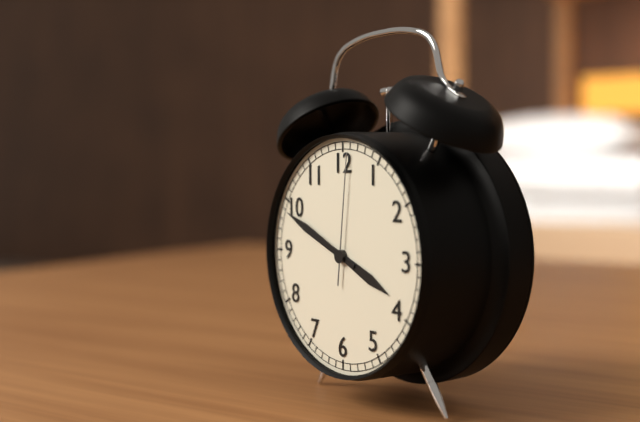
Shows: 3 h 49 min 01 s
